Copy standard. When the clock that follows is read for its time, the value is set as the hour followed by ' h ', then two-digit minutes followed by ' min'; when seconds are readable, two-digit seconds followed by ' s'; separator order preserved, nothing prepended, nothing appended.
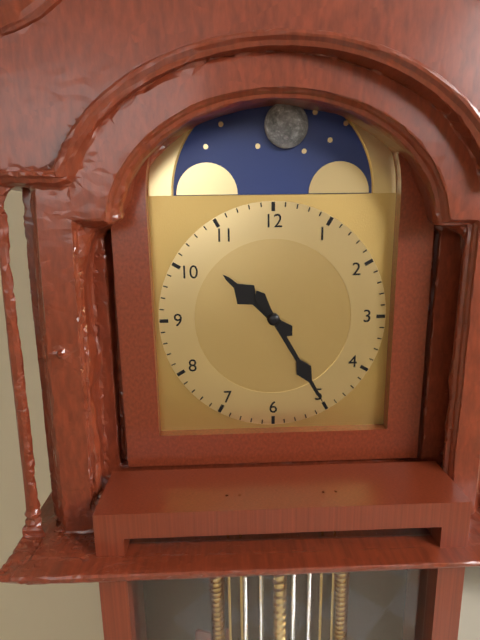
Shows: 10 h 25 min
